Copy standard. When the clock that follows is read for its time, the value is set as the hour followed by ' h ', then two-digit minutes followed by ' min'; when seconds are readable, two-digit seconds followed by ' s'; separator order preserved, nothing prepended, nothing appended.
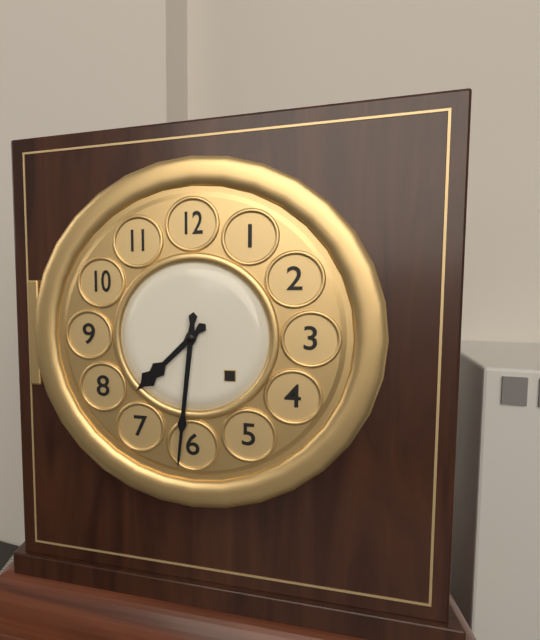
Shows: 7 h 31 min
